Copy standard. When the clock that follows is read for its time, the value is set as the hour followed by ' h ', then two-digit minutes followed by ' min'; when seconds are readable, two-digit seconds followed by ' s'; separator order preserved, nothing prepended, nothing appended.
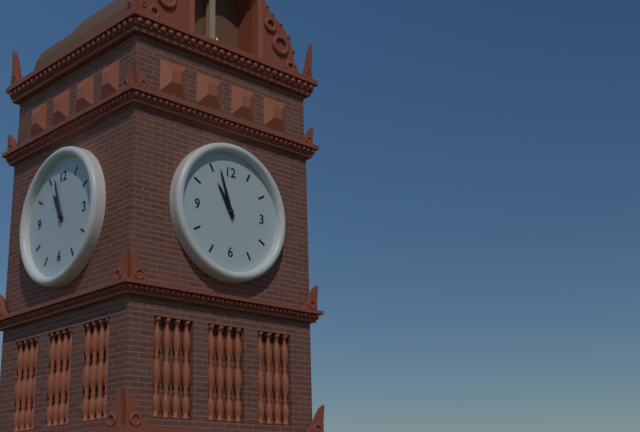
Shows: 10 h 57 min
